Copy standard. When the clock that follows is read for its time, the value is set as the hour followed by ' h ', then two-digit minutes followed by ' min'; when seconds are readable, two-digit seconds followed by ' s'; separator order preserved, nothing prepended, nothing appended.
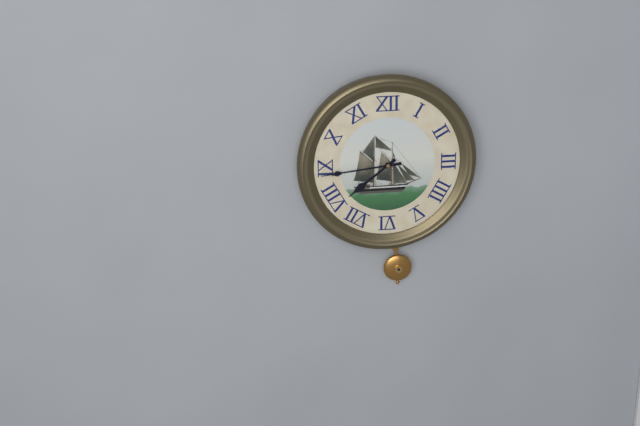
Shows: 7 h 44 min
